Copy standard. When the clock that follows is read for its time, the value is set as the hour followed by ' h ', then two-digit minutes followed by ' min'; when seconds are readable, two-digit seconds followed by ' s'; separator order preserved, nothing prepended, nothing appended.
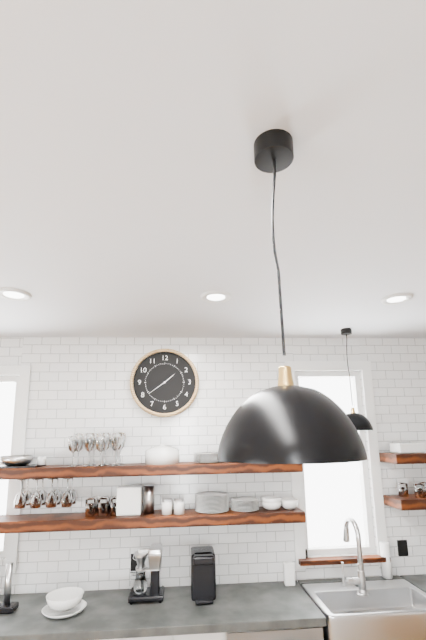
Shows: 1 h 39 min
